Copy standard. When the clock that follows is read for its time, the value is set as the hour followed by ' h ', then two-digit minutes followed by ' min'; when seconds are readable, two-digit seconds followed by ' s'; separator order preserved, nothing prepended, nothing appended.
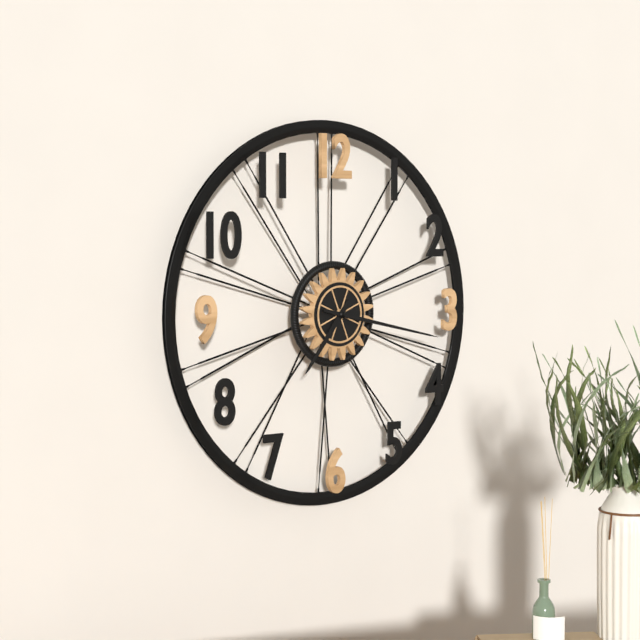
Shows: 7 h 17 min
